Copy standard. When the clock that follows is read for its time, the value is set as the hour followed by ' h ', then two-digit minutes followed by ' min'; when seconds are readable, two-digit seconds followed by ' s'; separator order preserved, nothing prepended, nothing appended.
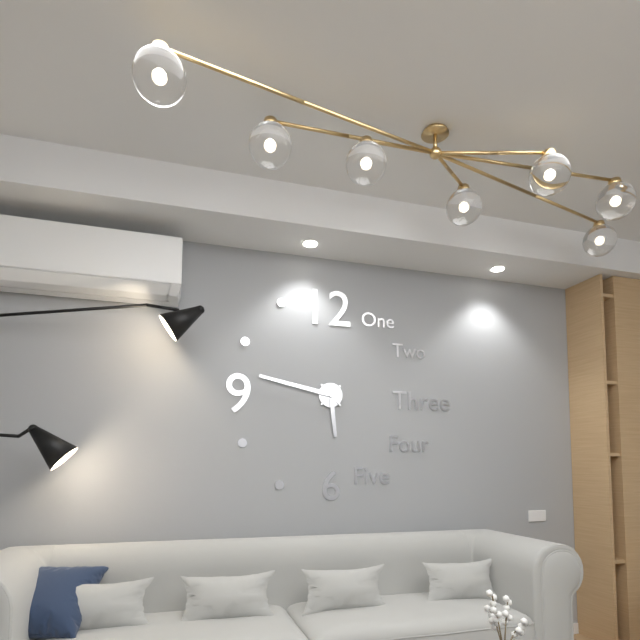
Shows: 5 h 47 min
